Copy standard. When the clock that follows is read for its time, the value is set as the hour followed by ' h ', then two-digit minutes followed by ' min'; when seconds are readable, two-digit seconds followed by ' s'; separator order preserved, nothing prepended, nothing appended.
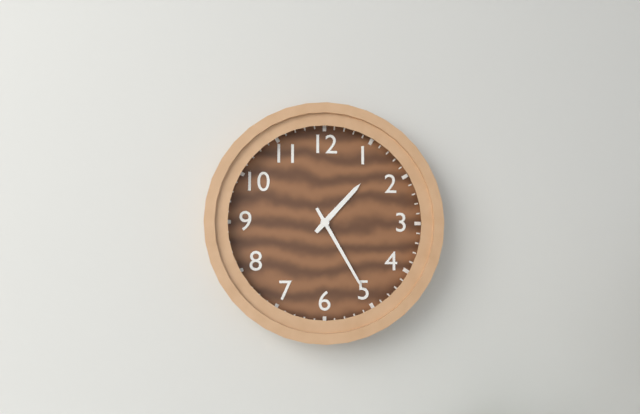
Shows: 1 h 25 min
